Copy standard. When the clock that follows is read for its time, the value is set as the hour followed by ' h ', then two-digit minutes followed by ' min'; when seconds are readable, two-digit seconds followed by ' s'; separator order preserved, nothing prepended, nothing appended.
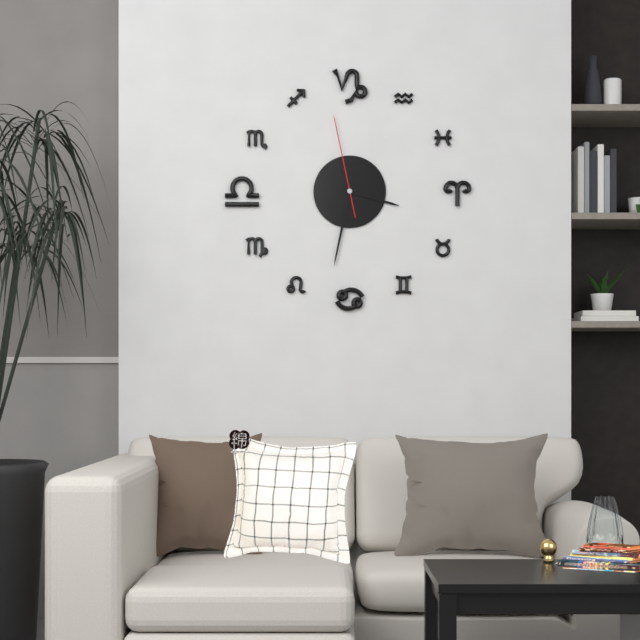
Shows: 3 h 32 min 58 s
